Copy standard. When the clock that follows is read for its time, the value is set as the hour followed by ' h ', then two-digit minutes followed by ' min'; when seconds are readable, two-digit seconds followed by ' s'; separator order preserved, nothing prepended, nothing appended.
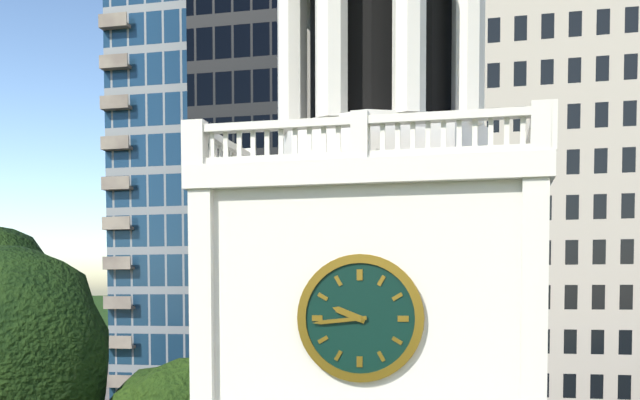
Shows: 9 h 44 min
